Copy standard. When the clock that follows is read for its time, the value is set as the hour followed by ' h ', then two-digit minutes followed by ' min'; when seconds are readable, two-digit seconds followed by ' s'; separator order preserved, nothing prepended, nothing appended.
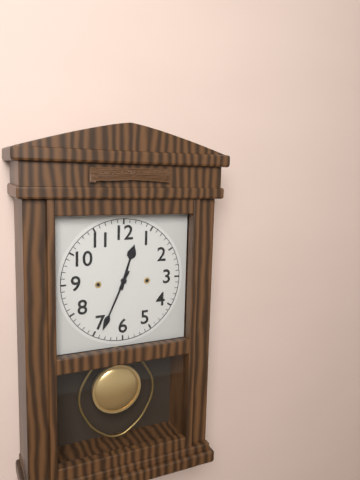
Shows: 12 h 34 min
